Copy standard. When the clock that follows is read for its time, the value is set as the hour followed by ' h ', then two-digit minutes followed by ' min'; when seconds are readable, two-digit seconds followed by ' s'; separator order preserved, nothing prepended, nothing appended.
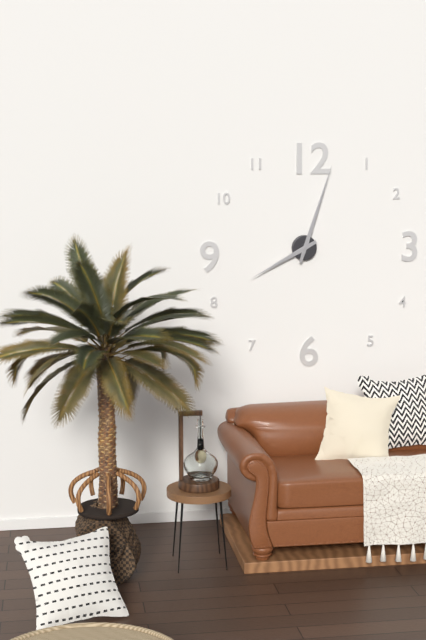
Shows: 8 h 03 min
